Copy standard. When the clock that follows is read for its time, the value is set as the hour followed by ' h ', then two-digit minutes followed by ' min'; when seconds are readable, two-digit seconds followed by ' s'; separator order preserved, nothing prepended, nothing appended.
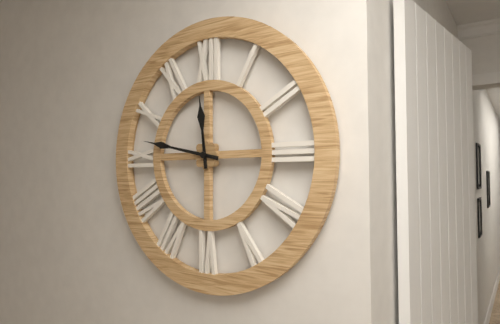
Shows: 11 h 47 min
